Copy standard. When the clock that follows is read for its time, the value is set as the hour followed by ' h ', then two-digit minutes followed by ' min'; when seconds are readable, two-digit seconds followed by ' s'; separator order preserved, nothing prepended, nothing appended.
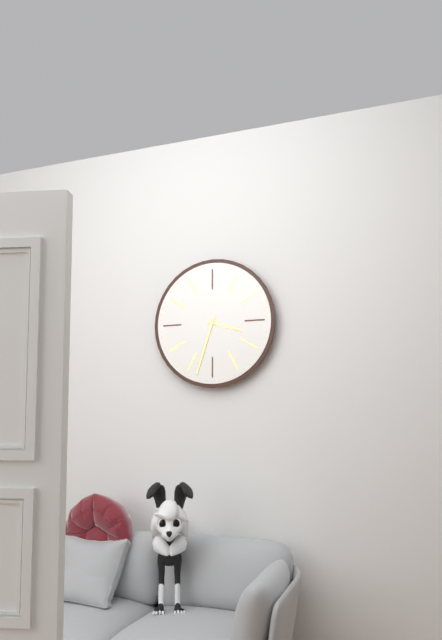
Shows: 3 h 33 min
